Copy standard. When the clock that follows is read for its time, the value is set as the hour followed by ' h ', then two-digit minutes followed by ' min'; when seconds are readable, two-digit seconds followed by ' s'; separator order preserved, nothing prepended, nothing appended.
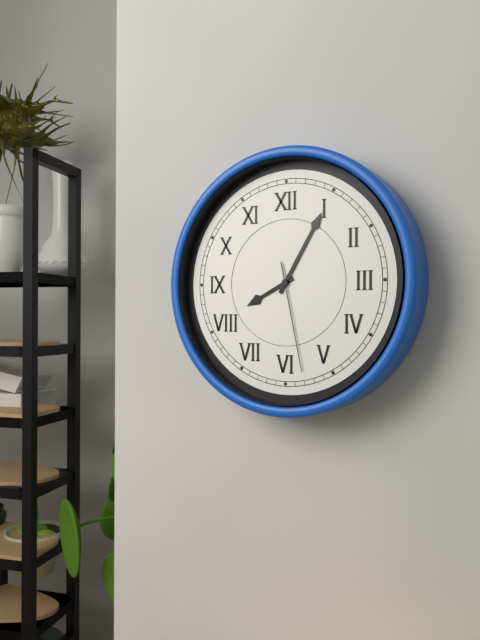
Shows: 8 h 05 min 28 s
